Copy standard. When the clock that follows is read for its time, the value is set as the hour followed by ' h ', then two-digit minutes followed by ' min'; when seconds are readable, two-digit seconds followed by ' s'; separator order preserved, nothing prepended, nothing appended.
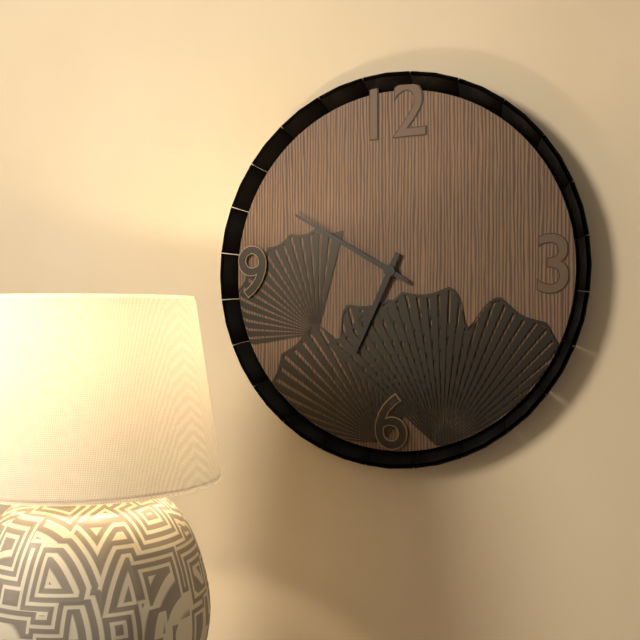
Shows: 6 h 50 min
